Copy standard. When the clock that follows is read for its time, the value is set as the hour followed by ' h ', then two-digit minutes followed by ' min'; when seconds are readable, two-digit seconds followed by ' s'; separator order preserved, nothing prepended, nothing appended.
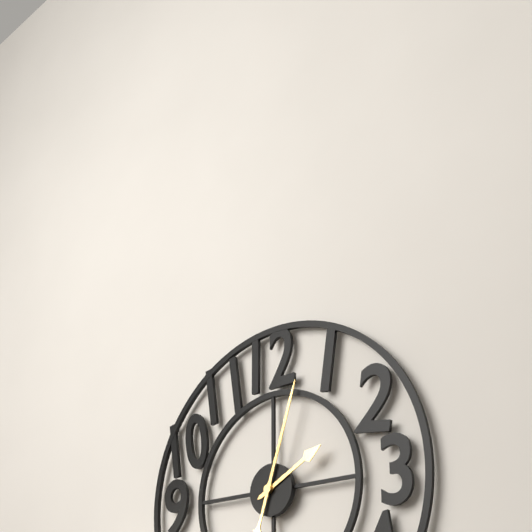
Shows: 2 h 03 min
